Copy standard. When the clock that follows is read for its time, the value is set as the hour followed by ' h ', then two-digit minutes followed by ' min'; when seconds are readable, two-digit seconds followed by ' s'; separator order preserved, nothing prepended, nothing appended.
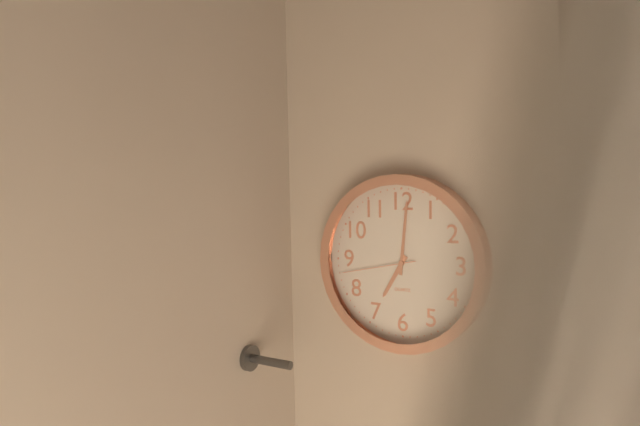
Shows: 7 h 01 min 43 s
